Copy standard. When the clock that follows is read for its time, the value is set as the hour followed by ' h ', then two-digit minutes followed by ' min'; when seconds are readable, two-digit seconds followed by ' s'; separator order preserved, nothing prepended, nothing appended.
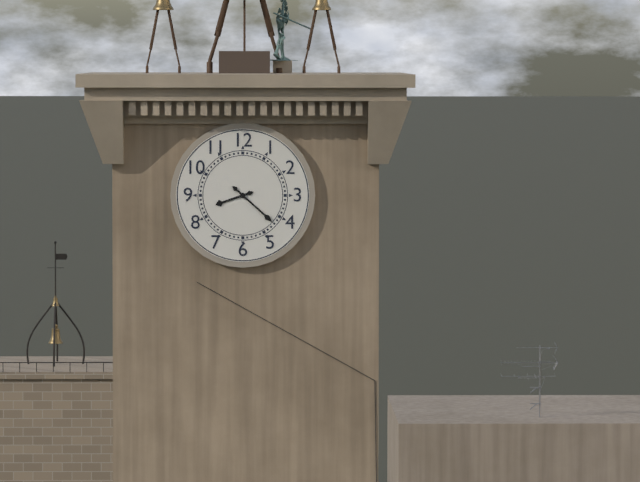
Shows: 8 h 22 min
